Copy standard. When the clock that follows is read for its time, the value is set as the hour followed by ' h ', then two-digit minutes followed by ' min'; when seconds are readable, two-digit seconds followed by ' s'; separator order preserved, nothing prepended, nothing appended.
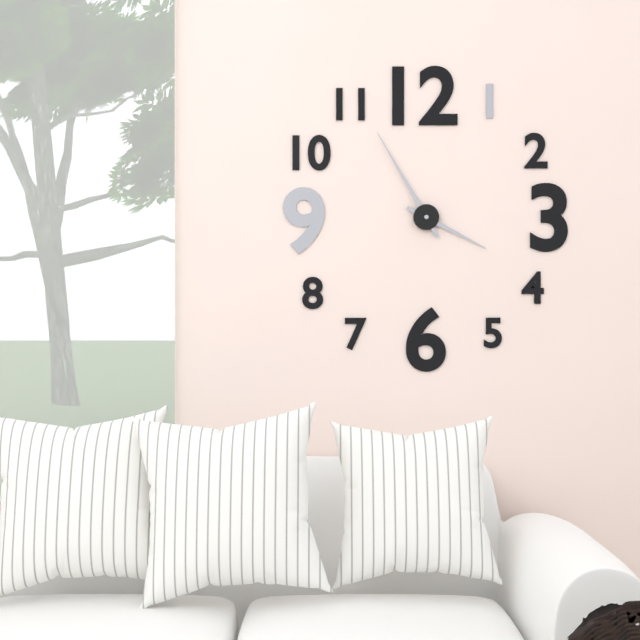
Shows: 3 h 55 min
